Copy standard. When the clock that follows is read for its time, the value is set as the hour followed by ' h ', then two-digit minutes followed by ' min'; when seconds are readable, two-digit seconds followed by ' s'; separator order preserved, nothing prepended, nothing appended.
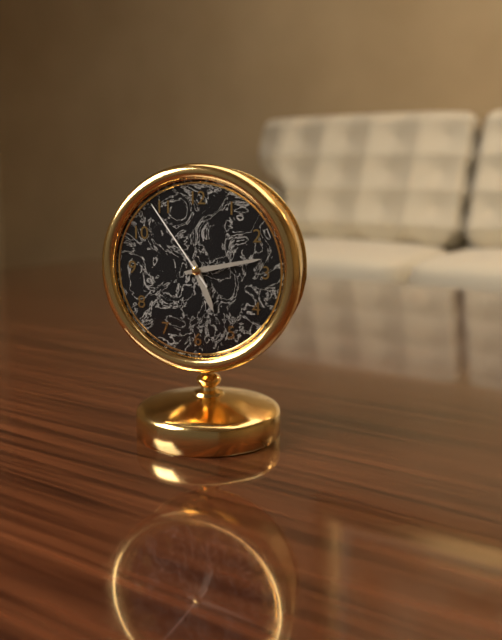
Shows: 5 h 13 min 54 s
